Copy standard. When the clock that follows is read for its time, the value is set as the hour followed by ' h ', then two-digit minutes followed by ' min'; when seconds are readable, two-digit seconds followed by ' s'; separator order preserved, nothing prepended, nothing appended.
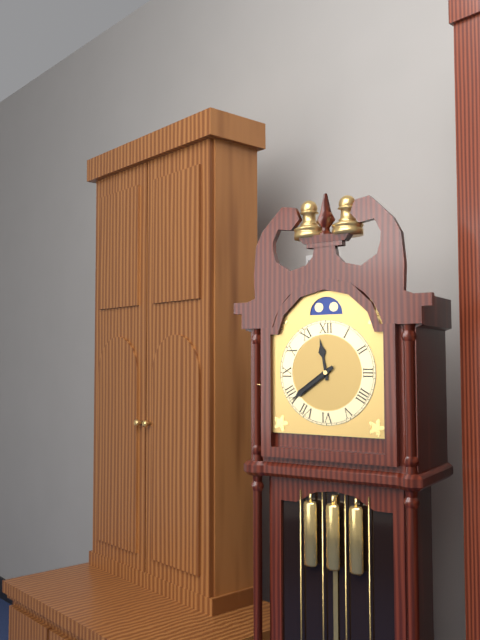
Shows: 11 h 39 min
